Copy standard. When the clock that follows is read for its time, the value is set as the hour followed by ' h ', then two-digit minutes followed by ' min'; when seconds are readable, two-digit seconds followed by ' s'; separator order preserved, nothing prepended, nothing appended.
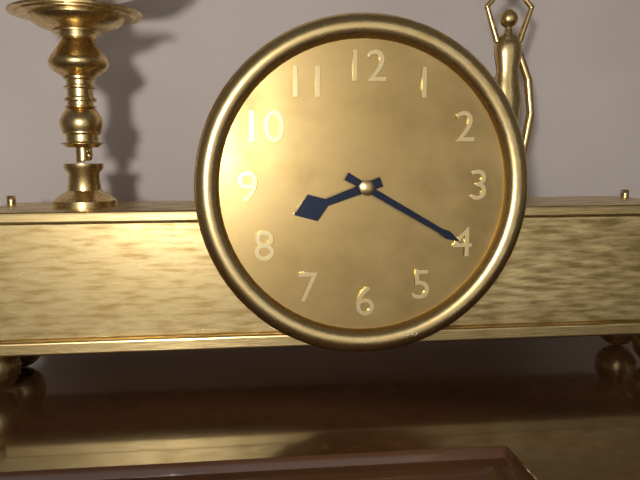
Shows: 8 h 20 min
